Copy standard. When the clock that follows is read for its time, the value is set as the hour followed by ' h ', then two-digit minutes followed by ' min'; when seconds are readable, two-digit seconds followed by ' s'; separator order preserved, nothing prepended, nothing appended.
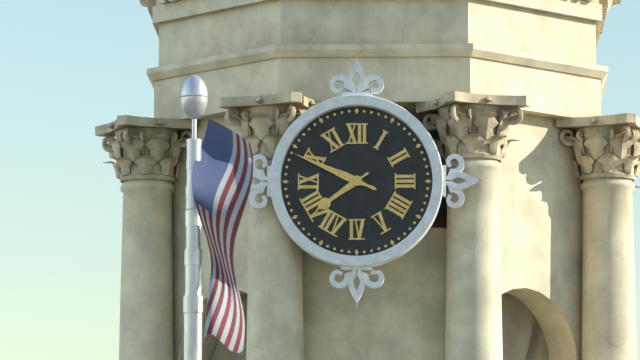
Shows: 7 h 49 min
